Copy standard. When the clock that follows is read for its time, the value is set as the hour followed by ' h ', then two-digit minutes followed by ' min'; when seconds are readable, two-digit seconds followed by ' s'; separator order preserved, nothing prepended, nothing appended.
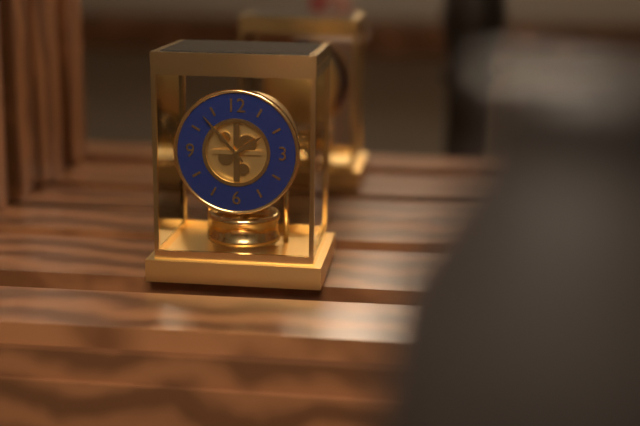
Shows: 1 h 53 min
